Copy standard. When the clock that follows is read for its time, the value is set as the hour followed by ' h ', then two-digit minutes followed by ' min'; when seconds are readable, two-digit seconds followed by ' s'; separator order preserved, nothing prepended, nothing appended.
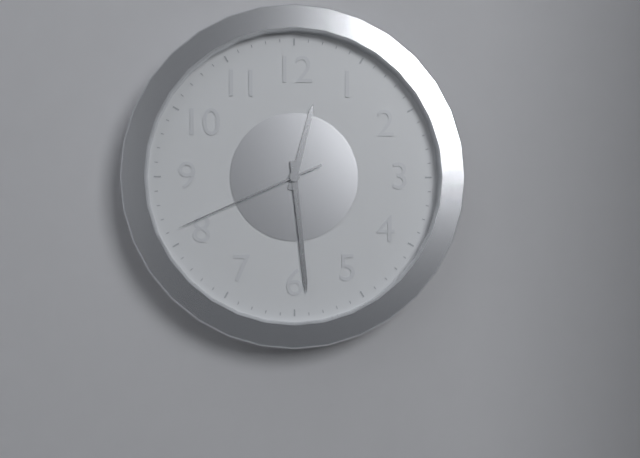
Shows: 12 h 29 min 41 s
